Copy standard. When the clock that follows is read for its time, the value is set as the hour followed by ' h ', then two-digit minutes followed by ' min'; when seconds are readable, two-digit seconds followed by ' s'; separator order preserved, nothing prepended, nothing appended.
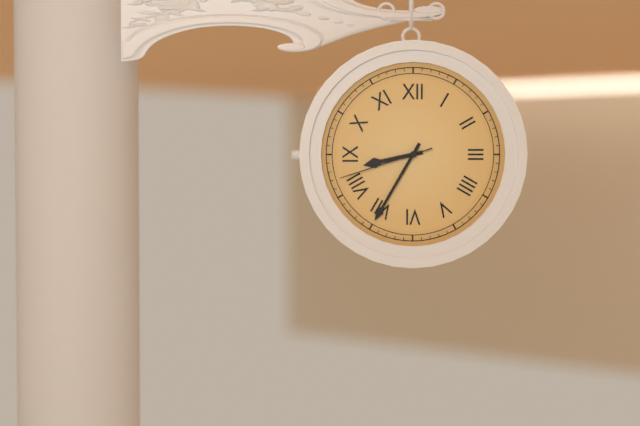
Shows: 8 h 35 min 42 s
